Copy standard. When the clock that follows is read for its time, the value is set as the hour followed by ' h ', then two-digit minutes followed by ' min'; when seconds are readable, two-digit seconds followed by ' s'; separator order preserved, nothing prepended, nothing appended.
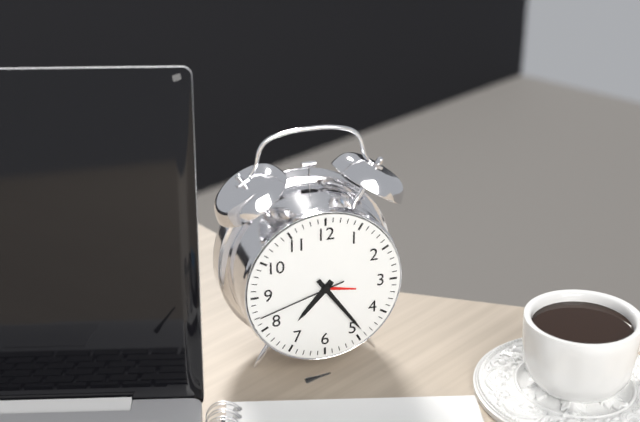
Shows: 7 h 24 min 42 s
